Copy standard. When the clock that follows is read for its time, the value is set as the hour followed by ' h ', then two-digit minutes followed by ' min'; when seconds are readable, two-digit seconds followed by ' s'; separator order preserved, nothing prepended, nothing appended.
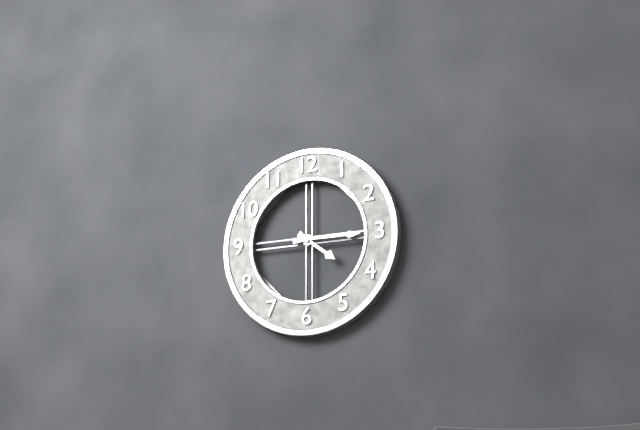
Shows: 4 h 15 min
